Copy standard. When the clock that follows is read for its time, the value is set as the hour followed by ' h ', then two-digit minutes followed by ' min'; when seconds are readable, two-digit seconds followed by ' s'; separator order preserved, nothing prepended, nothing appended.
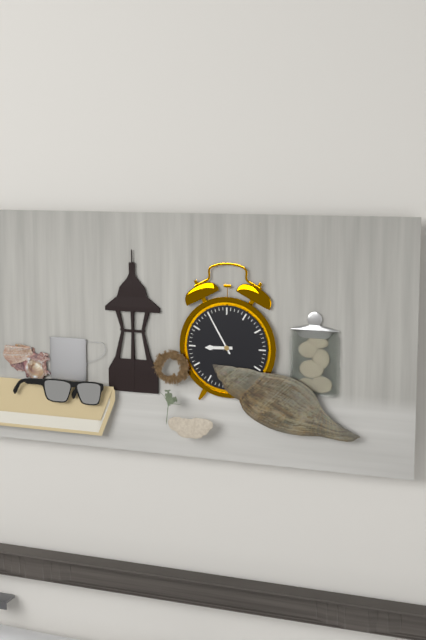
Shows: 8 h 55 min
